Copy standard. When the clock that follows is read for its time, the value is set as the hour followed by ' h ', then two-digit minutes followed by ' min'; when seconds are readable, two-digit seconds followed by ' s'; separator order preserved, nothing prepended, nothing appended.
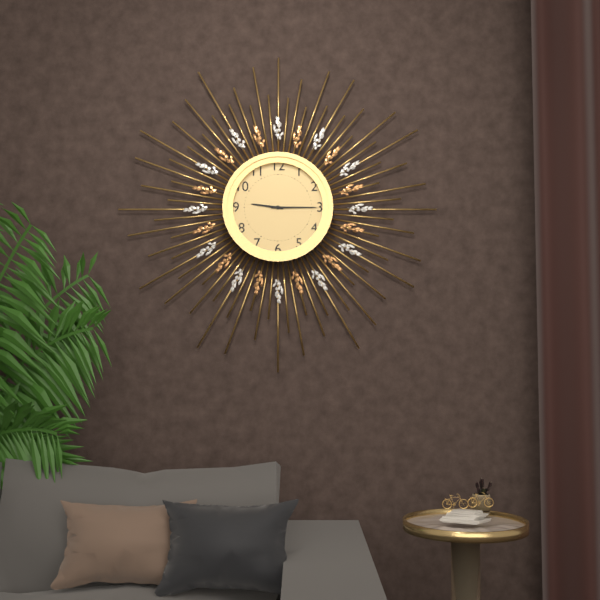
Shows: 9 h 15 min
